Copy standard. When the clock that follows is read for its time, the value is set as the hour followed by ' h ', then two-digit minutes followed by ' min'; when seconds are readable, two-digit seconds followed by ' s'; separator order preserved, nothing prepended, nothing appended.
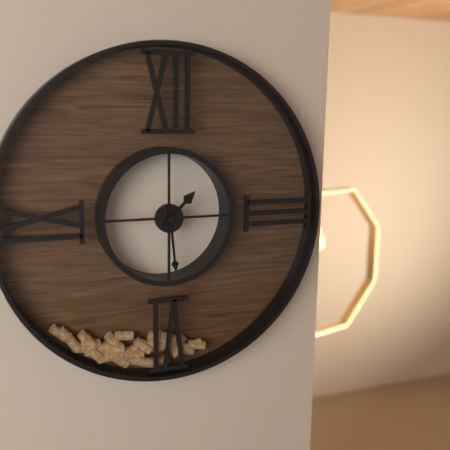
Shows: 1 h 29 min
